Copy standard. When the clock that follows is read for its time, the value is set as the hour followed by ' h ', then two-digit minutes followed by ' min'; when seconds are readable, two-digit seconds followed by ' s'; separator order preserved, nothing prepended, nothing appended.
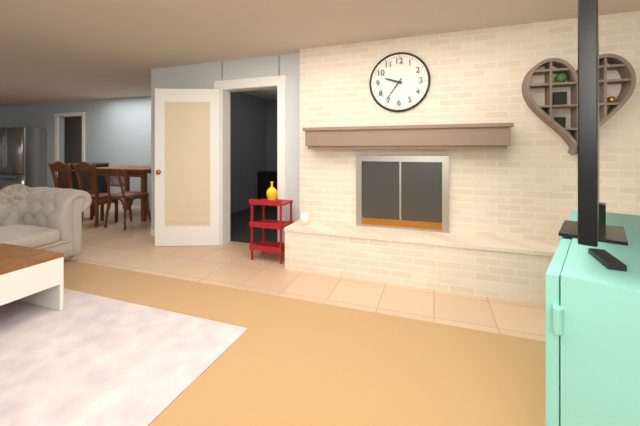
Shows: 9 h 36 min
